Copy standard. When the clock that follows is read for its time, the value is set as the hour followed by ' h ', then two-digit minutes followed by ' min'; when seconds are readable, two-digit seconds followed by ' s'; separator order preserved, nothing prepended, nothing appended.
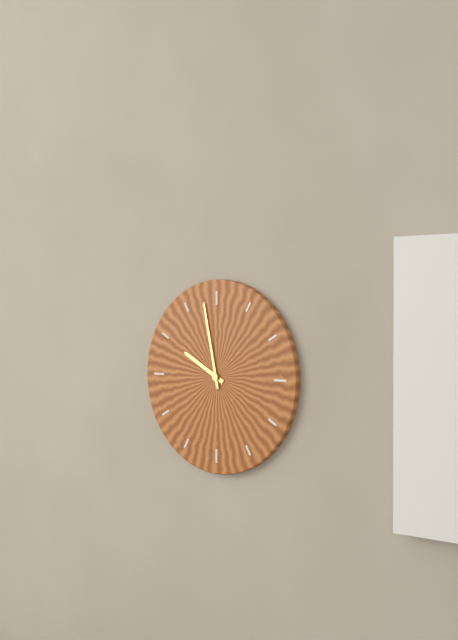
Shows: 9 h 58 min
